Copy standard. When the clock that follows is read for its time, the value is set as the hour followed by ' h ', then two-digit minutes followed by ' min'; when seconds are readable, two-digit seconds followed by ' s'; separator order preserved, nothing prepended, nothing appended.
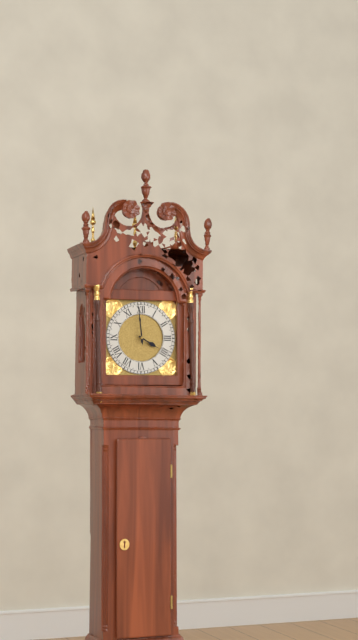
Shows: 3 h 59 min
